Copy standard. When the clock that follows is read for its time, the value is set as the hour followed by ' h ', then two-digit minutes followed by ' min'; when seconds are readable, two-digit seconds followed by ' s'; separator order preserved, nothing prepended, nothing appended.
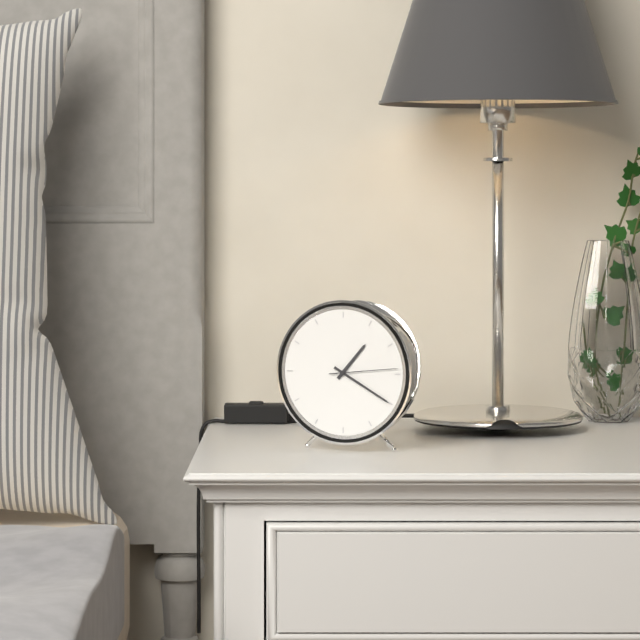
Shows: 1 h 20 min 14 s
